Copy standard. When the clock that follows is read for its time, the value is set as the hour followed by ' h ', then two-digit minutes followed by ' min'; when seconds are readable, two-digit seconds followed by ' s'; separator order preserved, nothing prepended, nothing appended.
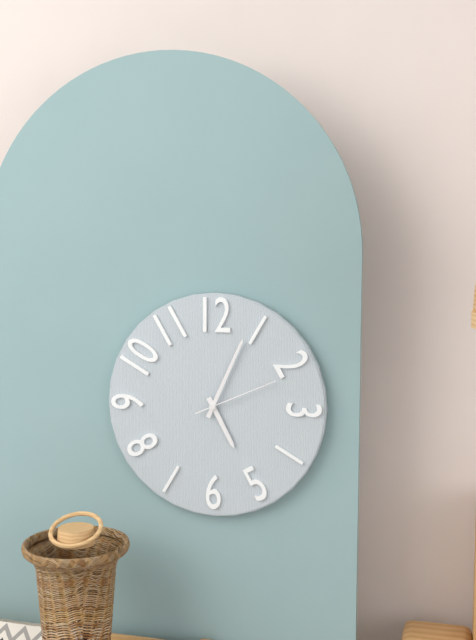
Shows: 5 h 04 min 11 s
